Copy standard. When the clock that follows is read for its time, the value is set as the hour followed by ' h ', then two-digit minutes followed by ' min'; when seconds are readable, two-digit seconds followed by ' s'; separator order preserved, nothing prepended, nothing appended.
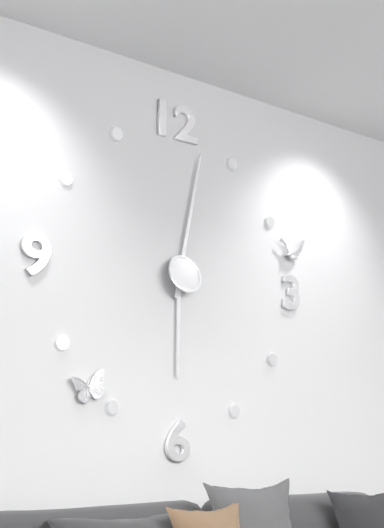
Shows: 6 h 02 min
